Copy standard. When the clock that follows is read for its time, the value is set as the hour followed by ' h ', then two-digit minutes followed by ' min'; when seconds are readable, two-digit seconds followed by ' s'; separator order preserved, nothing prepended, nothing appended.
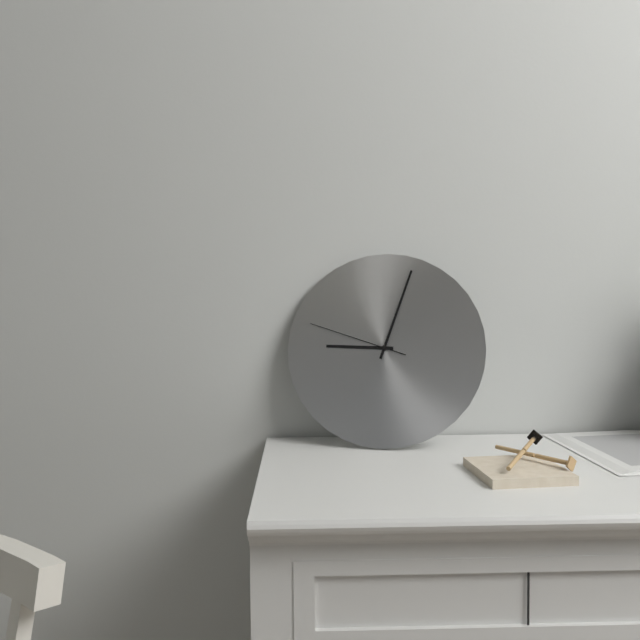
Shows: 9 h 03 min 48 s
